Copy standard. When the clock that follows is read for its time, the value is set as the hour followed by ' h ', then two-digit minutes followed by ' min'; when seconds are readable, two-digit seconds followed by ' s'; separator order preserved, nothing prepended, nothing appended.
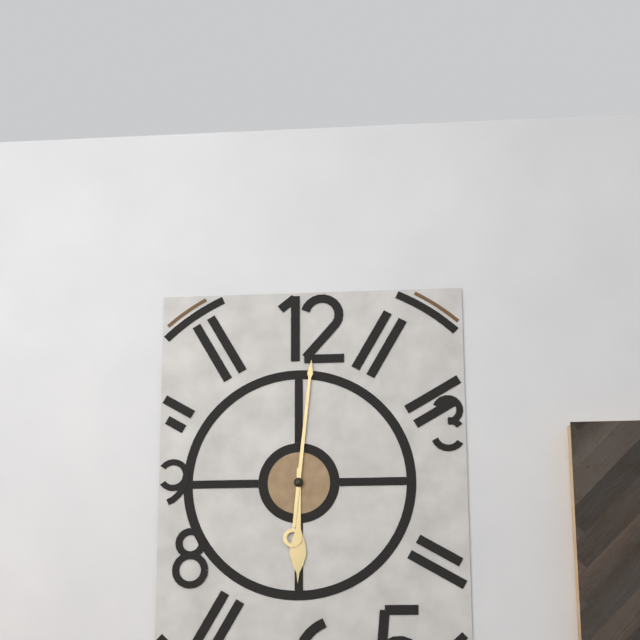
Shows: 6 h 01 min
